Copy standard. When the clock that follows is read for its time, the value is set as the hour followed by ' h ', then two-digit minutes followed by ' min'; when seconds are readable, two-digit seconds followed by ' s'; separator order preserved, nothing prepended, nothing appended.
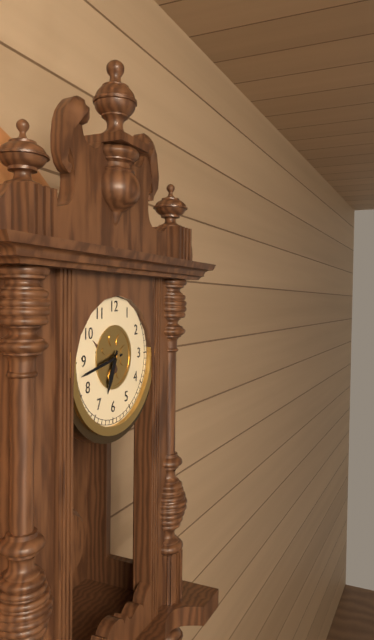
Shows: 6 h 43 min
